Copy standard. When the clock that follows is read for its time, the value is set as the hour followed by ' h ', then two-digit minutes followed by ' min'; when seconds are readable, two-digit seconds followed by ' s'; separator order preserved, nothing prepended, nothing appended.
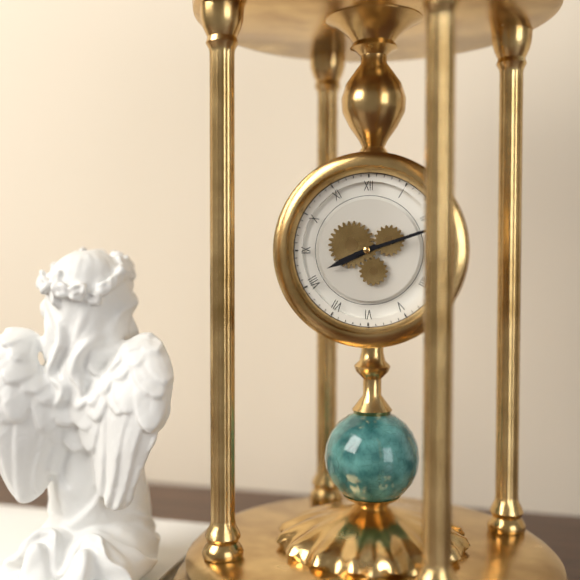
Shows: 8 h 12 min
